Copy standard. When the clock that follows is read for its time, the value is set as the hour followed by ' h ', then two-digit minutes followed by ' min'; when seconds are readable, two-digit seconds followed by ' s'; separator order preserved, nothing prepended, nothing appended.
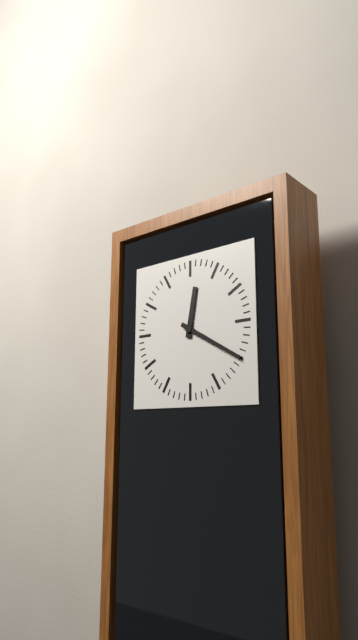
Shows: 12 h 20 min
